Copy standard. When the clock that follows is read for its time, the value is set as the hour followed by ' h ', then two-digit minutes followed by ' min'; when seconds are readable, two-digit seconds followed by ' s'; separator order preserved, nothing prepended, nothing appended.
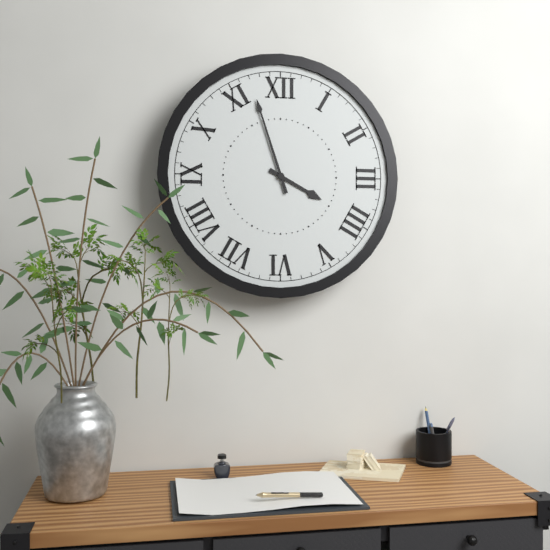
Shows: 3 h 57 min
